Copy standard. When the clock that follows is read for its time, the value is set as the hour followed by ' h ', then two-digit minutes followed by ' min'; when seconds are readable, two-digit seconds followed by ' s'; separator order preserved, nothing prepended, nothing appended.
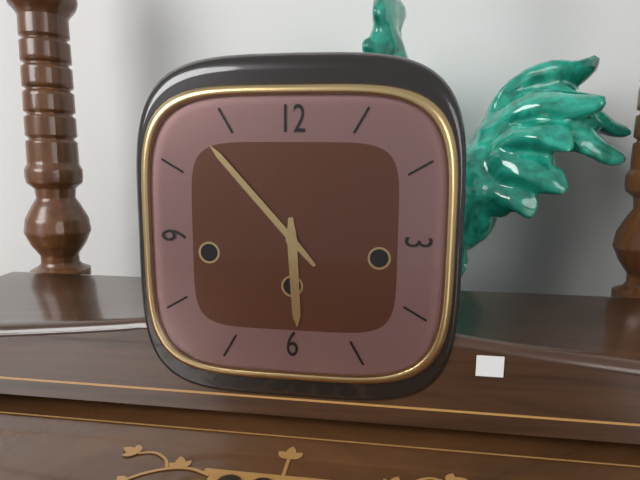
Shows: 5 h 53 min
